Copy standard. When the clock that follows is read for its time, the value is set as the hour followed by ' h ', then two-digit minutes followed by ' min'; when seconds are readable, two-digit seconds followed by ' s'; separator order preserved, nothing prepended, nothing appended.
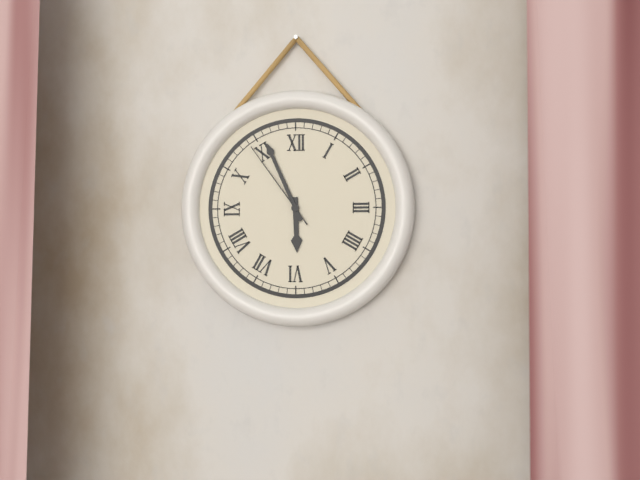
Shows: 5 h 56 min 54 s
